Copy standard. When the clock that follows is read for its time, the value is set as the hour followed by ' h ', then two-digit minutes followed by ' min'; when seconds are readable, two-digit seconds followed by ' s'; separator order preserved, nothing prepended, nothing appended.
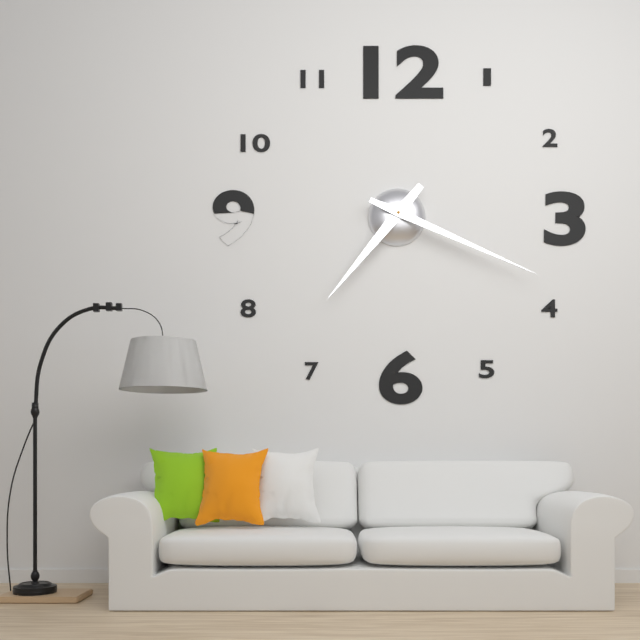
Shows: 7 h 19 min
